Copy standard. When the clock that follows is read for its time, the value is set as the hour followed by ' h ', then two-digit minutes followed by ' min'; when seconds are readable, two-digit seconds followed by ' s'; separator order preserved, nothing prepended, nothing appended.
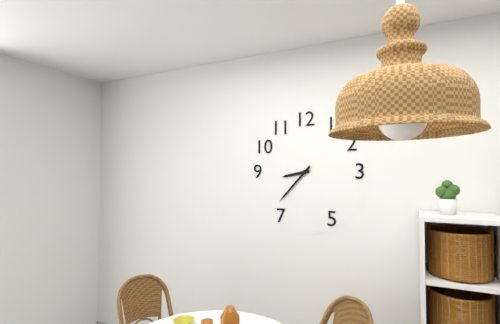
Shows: 8 h 37 min
